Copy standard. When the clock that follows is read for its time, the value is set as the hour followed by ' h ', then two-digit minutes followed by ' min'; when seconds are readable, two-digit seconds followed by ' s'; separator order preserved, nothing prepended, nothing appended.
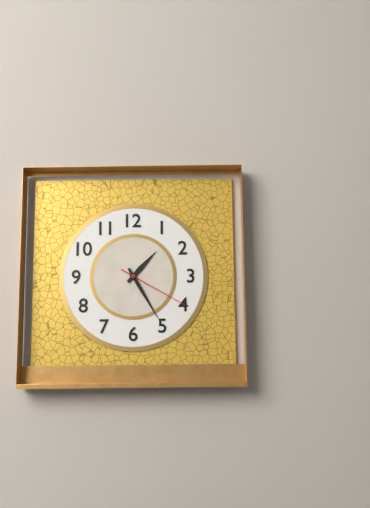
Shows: 1 h 25 min 20 s
